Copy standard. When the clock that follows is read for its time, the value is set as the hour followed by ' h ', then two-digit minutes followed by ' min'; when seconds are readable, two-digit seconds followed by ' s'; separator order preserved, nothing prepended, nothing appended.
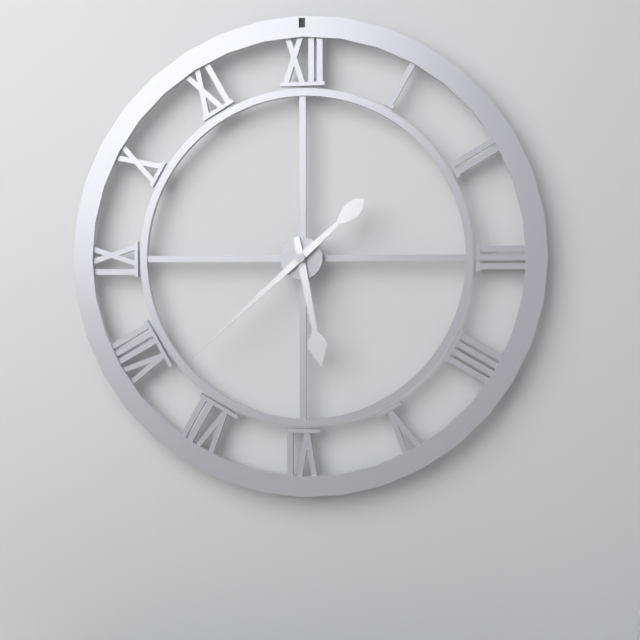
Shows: 5 h 38 min
